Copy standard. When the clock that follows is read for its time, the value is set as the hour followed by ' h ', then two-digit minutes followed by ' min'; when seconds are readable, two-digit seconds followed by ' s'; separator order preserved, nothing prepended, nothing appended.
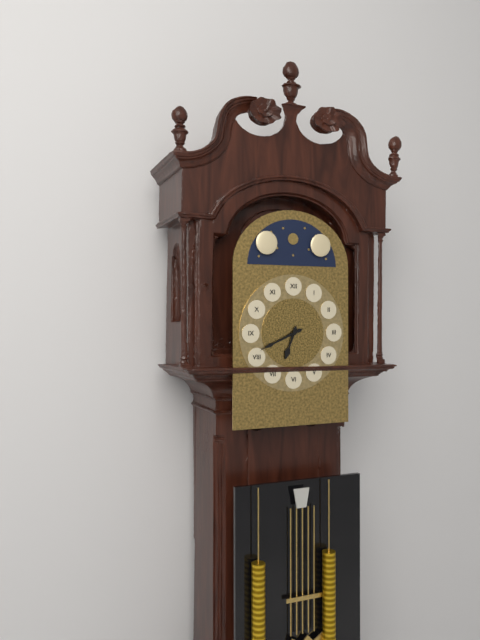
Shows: 6 h 41 min
